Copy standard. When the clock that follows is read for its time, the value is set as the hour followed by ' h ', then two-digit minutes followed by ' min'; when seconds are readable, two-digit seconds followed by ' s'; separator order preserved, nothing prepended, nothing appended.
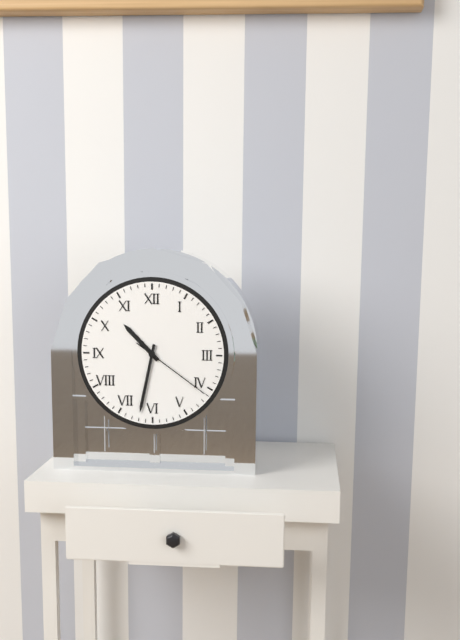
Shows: 10 h 32 min 21 s
